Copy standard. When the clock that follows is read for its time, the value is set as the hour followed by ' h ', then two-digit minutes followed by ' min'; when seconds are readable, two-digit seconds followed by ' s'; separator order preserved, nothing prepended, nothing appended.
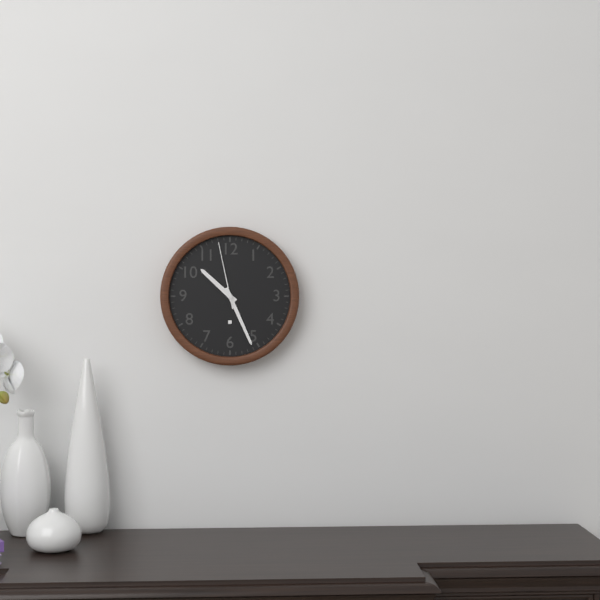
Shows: 10 h 26 min 58 s
